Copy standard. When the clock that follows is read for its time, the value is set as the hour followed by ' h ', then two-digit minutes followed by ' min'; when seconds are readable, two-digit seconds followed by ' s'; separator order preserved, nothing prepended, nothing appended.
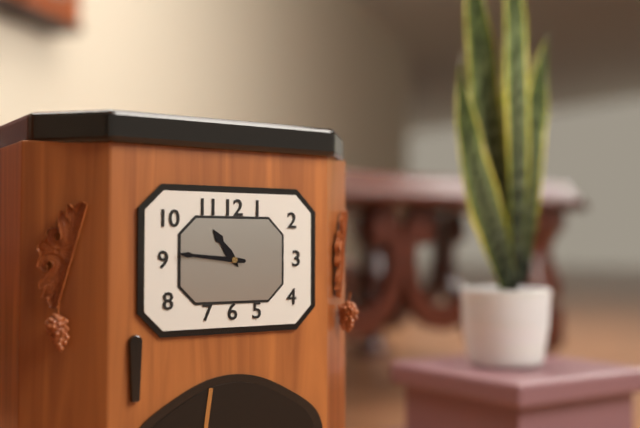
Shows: 10 h 46 min
